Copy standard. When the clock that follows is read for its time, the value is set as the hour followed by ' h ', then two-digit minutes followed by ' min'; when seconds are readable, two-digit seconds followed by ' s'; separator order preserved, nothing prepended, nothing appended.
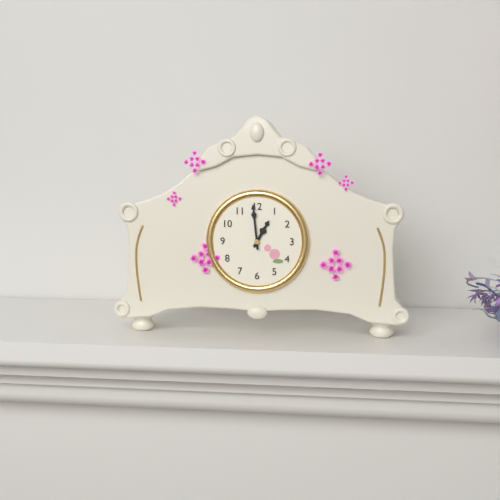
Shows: 12 h 59 min
